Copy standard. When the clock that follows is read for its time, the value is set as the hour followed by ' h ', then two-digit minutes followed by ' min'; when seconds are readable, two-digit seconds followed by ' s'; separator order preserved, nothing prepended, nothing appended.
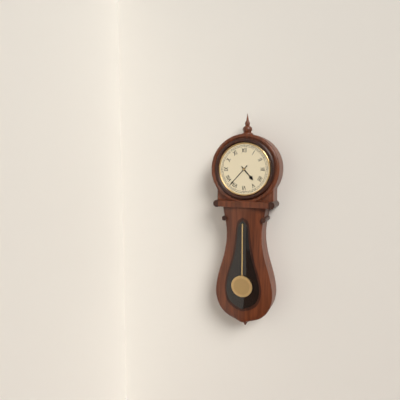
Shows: 4 h 37 min
